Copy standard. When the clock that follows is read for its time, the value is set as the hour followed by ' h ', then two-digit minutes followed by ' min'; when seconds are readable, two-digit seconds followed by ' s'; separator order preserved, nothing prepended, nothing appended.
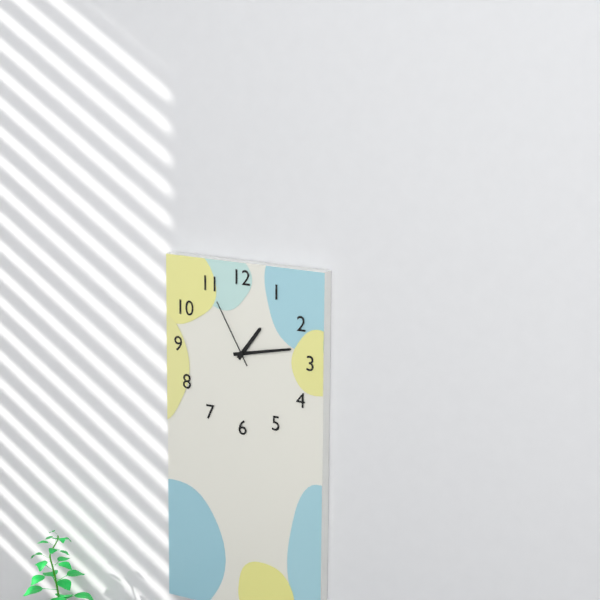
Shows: 1 h 13 min 55 s
